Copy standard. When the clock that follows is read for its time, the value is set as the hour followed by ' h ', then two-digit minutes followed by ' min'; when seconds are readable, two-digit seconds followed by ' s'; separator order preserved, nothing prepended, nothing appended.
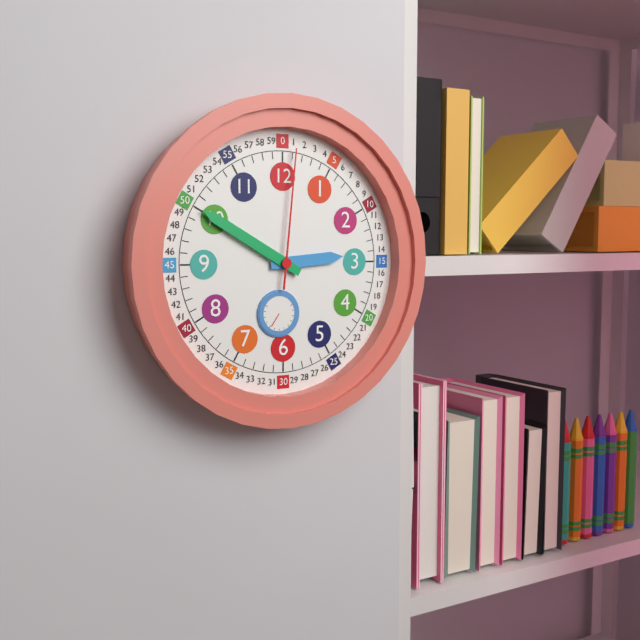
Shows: 2 h 50 min 01 s
